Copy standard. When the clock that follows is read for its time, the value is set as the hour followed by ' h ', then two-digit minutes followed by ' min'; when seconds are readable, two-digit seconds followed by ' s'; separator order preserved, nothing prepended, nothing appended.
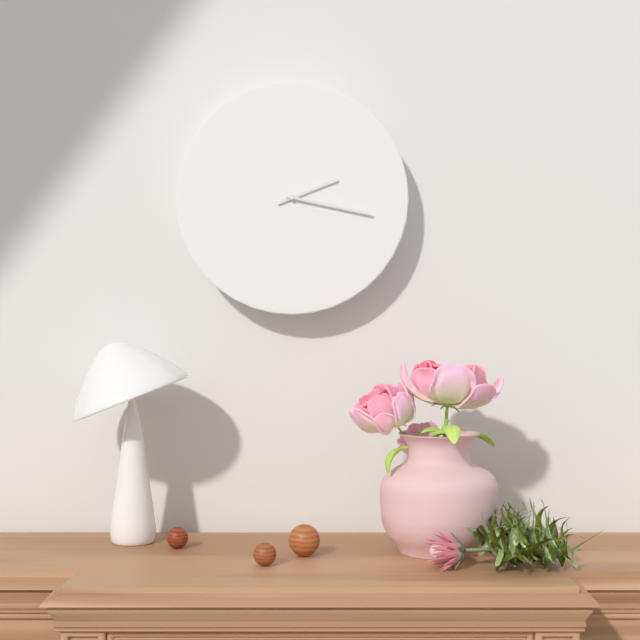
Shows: 2 h 17 min
